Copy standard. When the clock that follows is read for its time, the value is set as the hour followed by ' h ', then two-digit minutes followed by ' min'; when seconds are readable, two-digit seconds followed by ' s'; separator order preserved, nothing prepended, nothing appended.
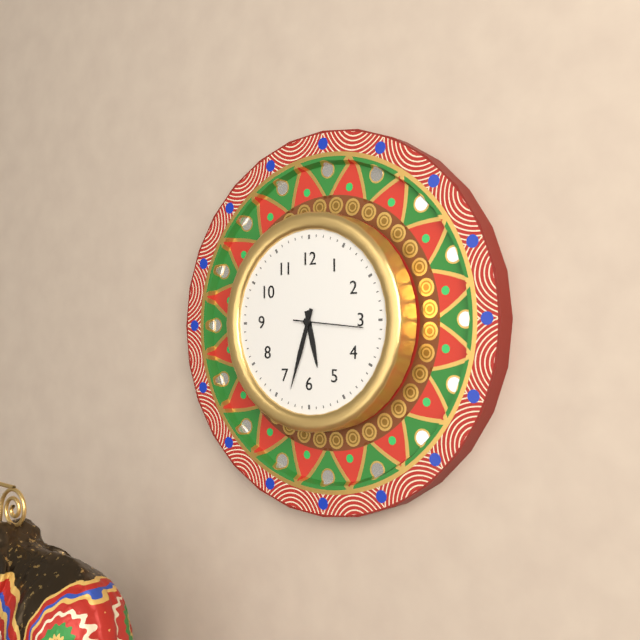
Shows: 5 h 33 min 16 s
